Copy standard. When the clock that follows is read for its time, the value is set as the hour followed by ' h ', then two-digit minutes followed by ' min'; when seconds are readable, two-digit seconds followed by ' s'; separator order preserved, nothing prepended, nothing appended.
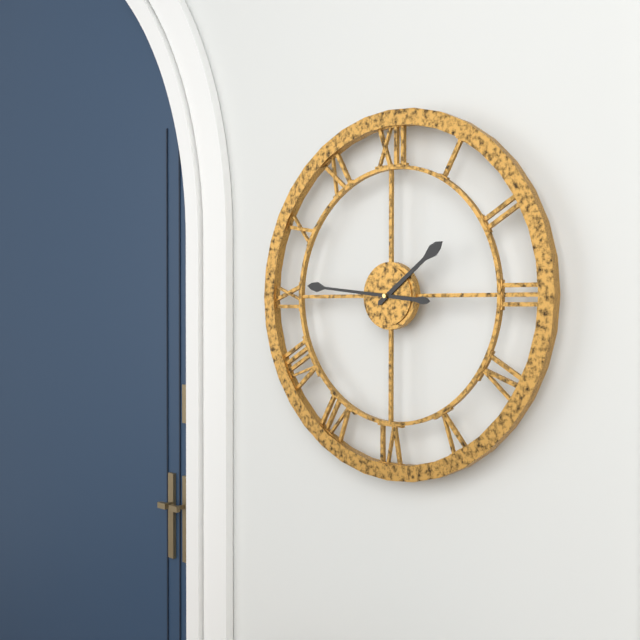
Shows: 1 h 46 min
